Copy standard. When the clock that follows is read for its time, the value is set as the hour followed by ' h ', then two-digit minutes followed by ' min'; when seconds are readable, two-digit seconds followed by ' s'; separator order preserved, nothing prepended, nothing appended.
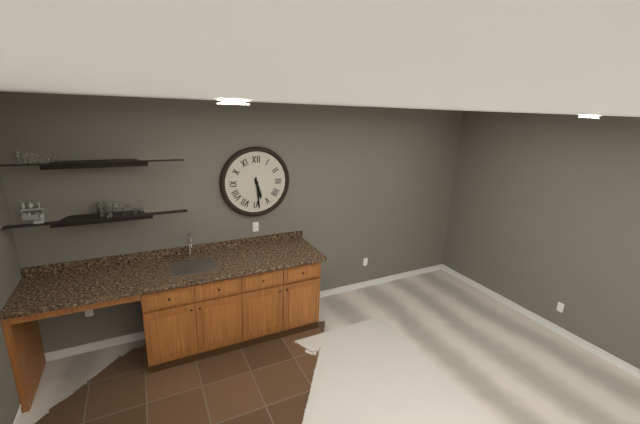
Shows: 5 h 29 min
